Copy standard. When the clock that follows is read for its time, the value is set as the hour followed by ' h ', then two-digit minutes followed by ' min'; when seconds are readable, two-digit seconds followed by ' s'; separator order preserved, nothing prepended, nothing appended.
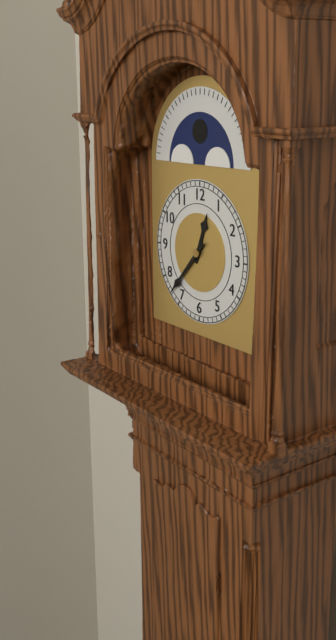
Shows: 12 h 37 min
